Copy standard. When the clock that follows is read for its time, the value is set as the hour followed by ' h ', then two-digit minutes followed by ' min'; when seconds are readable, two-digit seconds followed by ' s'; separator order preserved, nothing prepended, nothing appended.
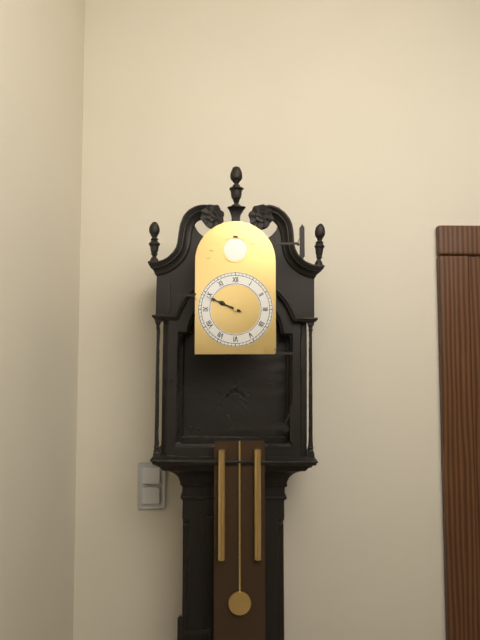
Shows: 9 h 49 min
